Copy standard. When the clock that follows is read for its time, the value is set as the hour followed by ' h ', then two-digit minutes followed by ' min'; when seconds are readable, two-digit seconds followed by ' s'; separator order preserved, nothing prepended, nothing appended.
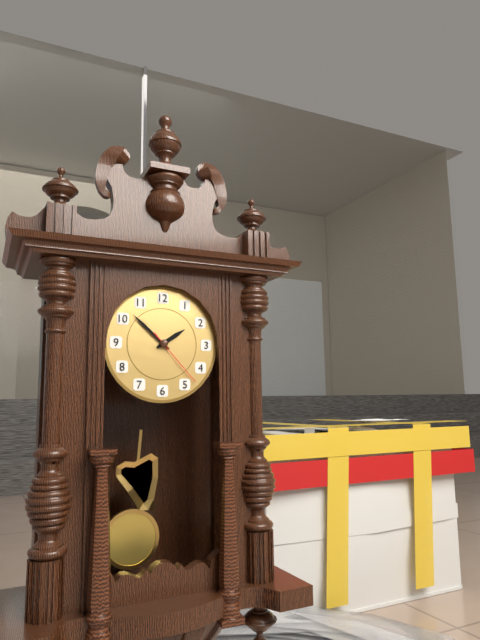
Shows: 1 h 52 min 23 s
